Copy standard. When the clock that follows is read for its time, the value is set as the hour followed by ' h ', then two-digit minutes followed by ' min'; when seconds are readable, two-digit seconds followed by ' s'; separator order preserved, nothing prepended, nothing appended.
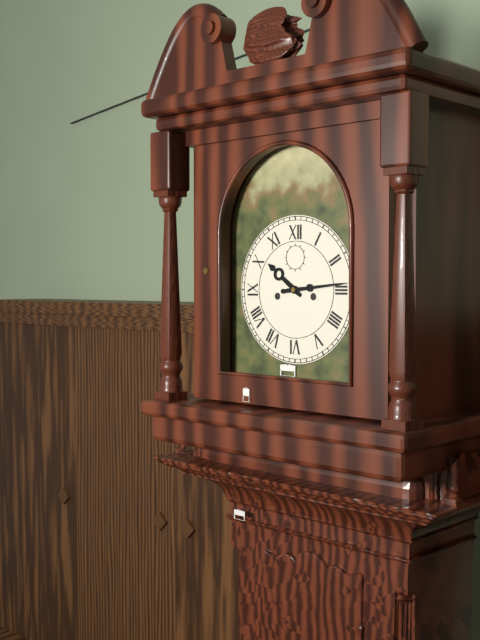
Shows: 10 h 14 min
